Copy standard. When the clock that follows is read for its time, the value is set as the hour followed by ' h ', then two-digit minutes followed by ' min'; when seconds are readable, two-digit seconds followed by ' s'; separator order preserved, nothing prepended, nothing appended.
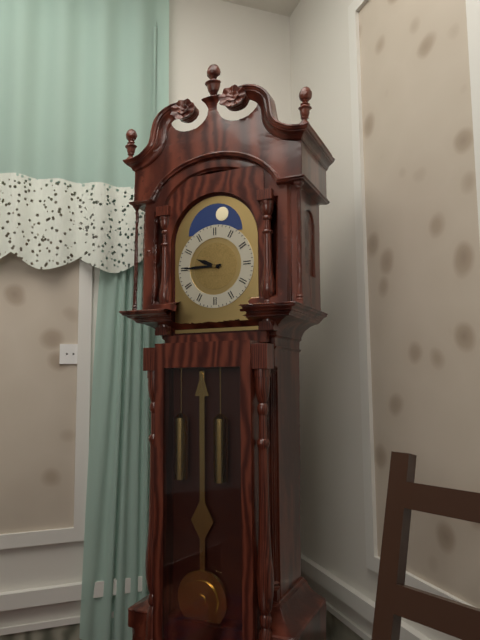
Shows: 9 h 45 min
